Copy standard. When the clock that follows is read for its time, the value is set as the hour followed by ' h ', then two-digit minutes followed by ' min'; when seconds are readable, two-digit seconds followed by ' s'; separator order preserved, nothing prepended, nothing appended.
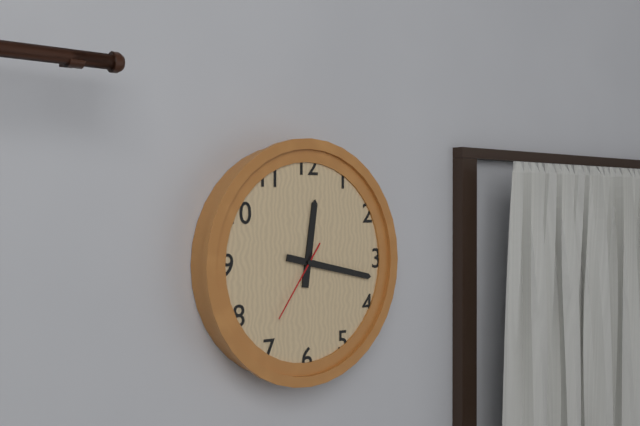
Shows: 12 h 17 min 36 s
